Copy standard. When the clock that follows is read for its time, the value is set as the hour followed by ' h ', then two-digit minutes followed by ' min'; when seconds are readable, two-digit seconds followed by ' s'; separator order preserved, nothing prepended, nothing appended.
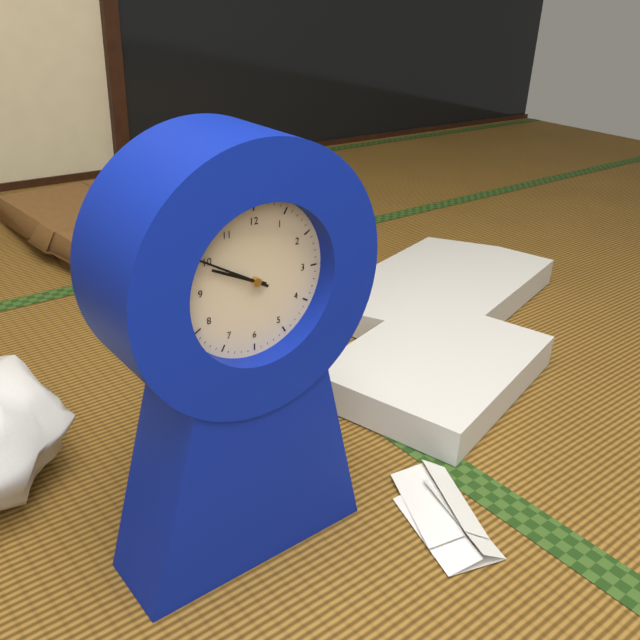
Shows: 9 h 50 min
